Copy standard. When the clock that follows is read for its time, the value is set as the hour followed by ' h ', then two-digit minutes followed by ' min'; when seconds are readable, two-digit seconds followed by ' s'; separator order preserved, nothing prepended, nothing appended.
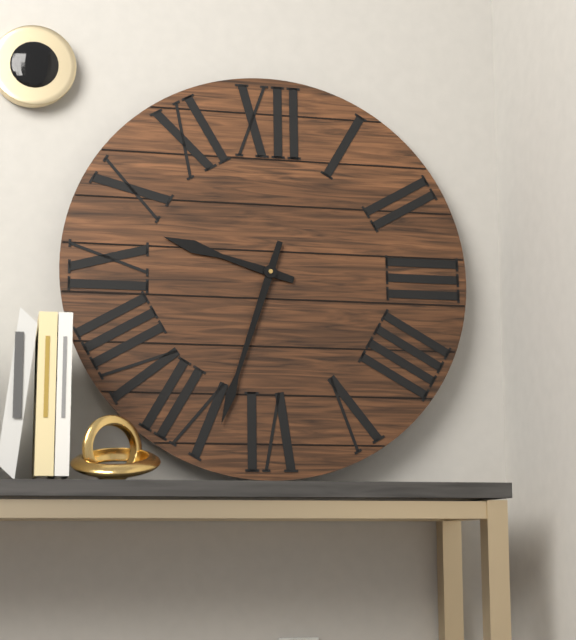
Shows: 9 h 33 min
